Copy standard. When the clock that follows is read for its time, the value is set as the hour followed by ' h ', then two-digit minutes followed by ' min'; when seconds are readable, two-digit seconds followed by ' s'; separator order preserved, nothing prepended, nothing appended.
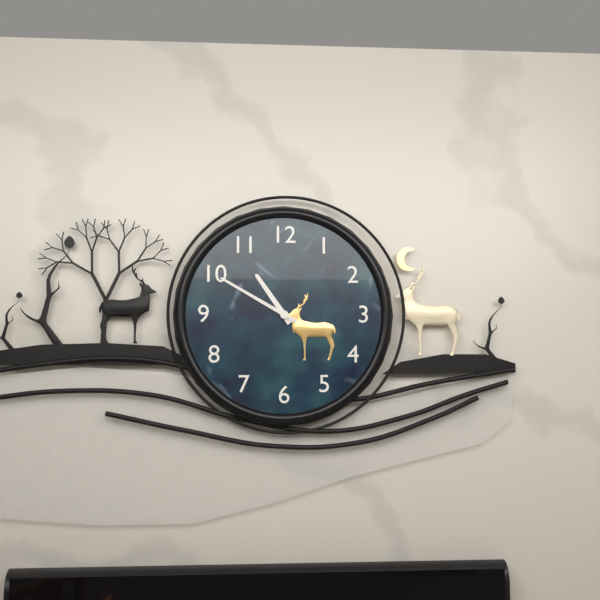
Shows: 10 h 50 min
